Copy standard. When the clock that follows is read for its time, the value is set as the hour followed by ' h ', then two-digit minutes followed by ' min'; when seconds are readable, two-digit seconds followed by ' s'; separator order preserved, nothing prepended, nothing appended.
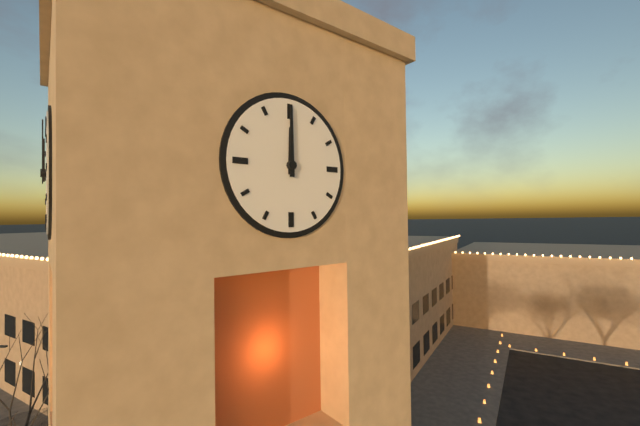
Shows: 12 h 00 min
